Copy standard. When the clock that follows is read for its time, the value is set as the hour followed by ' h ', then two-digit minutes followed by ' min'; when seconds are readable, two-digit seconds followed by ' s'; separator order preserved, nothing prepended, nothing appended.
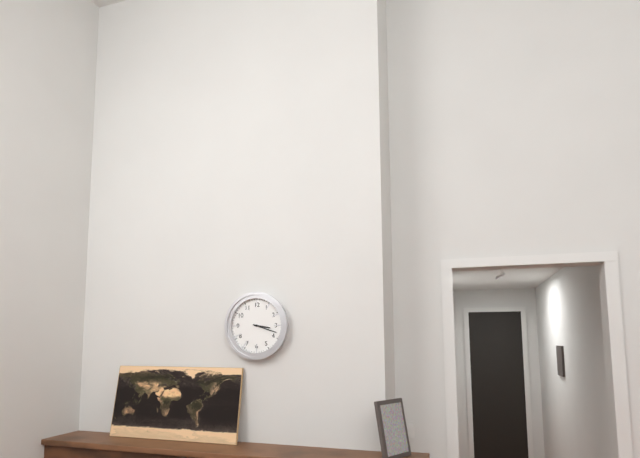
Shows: 3 h 18 min
